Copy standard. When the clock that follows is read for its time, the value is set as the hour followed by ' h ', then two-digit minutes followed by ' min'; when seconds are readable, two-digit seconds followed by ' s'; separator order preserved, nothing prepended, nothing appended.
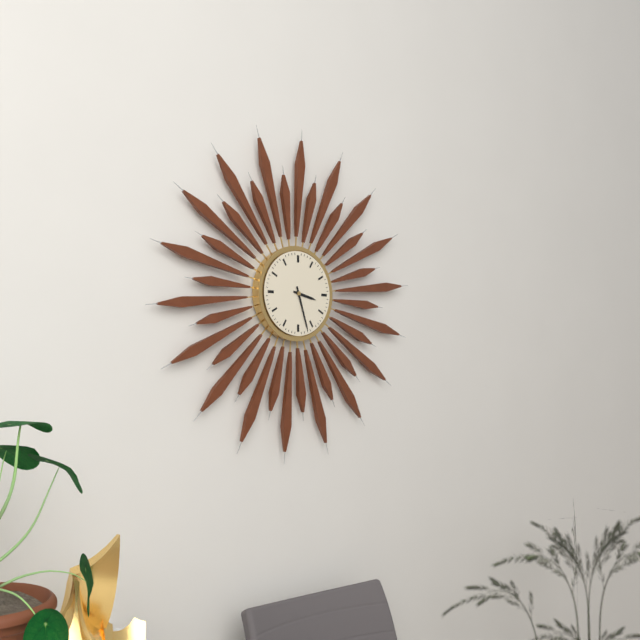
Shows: 3 h 27 min
